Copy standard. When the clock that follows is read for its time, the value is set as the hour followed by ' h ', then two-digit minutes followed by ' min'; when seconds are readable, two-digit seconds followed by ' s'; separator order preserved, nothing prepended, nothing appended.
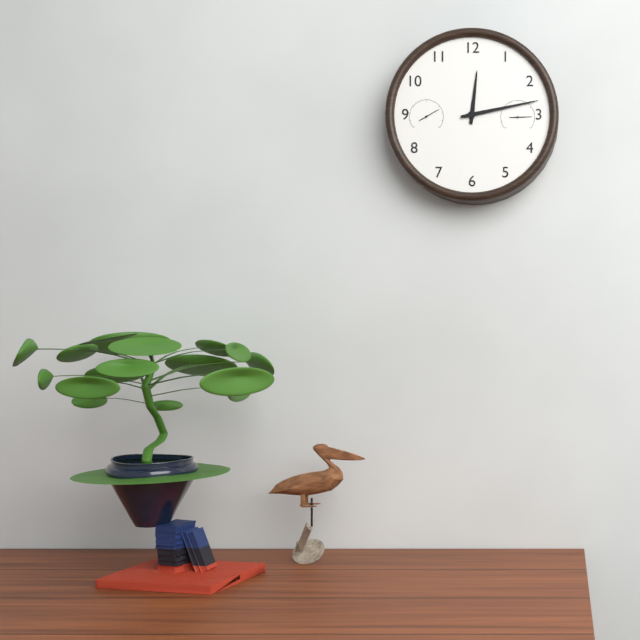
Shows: 12 h 13 min
